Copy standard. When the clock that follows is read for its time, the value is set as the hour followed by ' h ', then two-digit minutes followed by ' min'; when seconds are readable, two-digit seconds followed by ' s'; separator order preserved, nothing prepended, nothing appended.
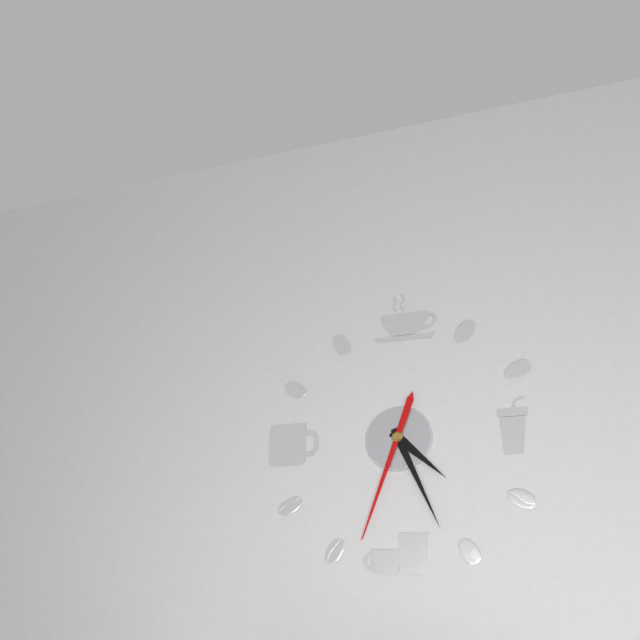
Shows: 4 h 26 min 33 s
